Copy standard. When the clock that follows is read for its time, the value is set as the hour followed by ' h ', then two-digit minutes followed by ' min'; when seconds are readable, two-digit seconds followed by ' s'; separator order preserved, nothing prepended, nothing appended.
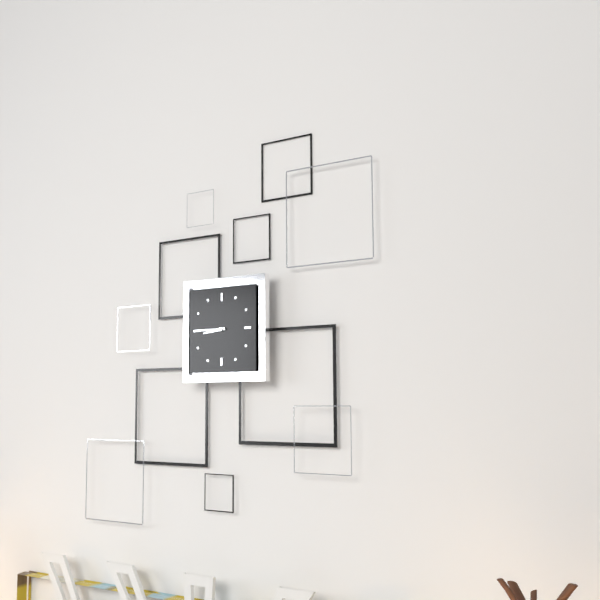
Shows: 8 h 45 min
